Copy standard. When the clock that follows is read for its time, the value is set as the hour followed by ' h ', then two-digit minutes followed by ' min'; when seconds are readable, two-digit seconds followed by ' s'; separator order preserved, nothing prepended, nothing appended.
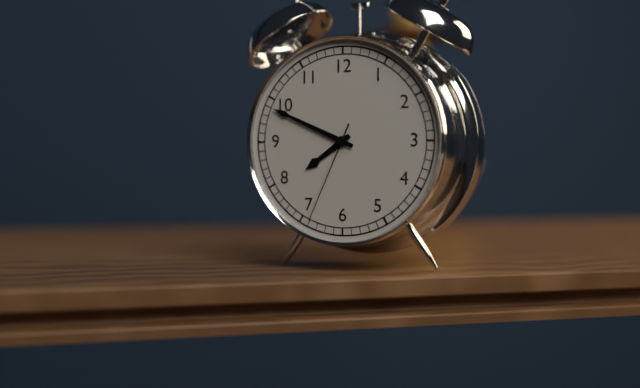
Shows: 7 h 49 min 34 s
